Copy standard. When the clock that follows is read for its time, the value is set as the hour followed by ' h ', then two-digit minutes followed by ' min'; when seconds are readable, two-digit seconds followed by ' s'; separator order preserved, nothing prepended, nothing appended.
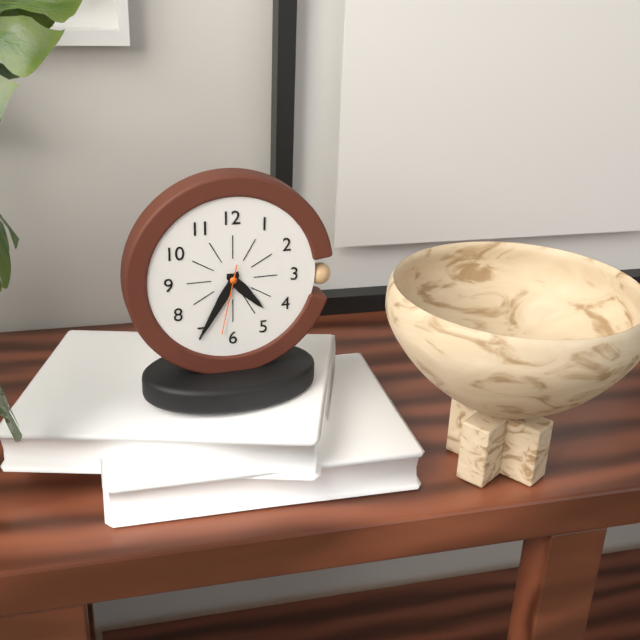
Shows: 4 h 35 min 32 s
